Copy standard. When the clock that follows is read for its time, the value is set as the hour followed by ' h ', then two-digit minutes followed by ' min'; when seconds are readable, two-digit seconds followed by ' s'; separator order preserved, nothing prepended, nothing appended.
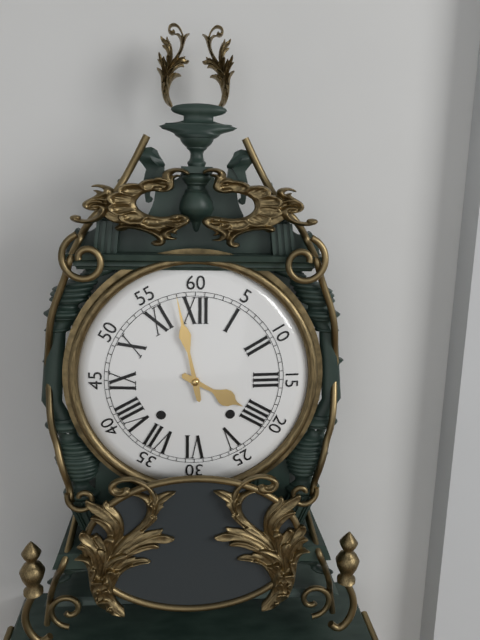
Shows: 3 h 58 min
